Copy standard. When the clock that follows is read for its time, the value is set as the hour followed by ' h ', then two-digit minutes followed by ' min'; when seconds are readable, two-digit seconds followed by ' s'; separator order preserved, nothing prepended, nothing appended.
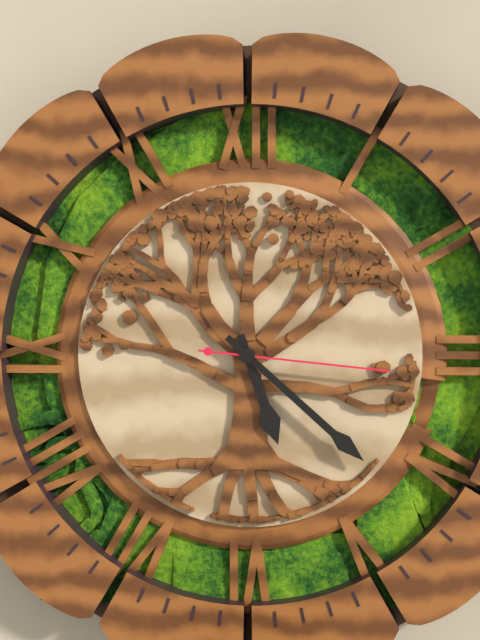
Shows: 5 h 22 min 16 s
